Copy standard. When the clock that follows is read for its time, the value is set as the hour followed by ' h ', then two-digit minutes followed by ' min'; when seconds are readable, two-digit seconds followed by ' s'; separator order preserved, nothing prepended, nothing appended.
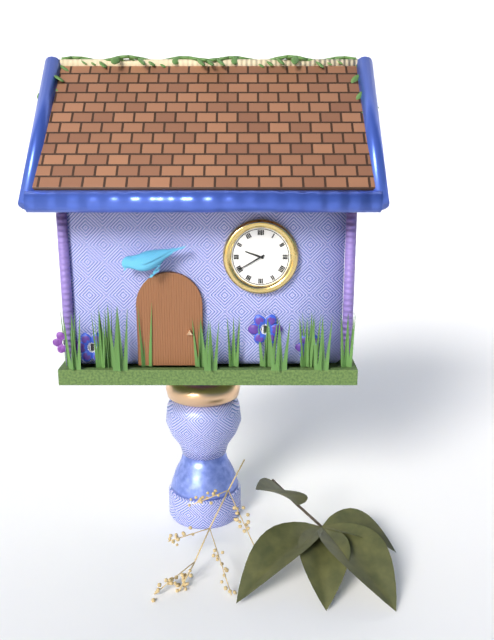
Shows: 9 h 40 min
